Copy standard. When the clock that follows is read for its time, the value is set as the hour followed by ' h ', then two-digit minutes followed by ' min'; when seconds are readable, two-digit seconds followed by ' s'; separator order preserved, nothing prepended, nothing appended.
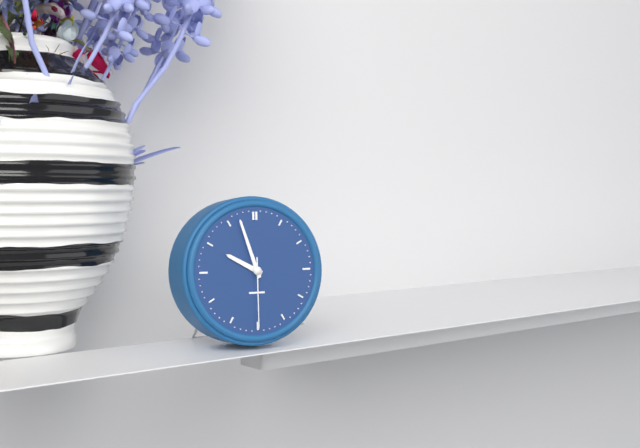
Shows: 9 h 57 min 30 s
